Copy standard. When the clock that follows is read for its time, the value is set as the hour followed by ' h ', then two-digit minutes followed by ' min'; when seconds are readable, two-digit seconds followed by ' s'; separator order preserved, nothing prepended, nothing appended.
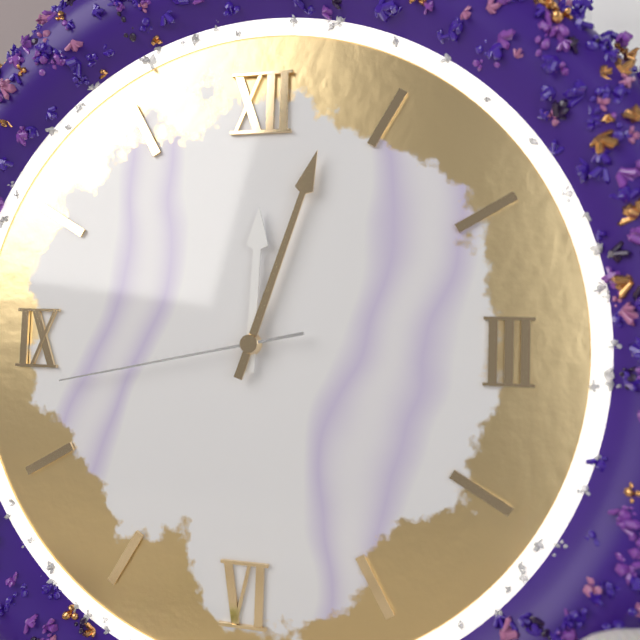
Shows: 12 h 03 min 43 s
